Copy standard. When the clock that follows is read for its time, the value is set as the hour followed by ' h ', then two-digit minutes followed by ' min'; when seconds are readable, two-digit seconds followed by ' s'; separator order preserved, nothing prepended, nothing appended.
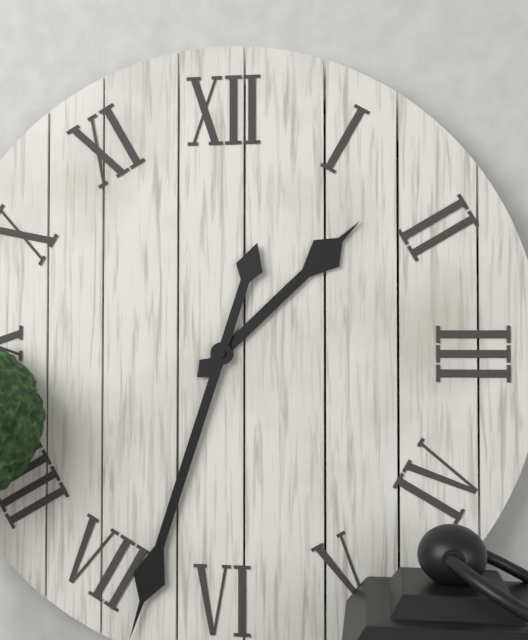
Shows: 1 h 33 min
